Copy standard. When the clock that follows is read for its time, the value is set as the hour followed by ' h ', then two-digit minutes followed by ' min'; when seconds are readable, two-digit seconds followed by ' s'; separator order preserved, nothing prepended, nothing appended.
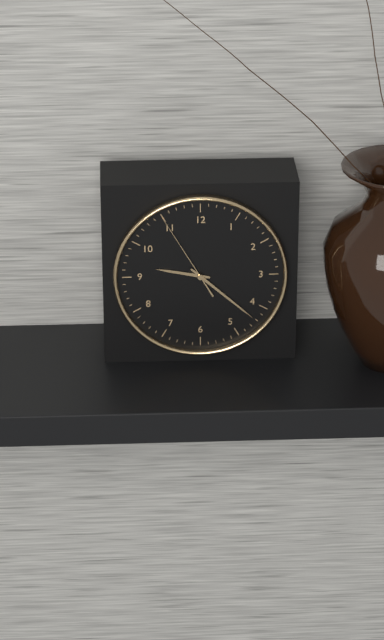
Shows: 9 h 22 min 55 s
